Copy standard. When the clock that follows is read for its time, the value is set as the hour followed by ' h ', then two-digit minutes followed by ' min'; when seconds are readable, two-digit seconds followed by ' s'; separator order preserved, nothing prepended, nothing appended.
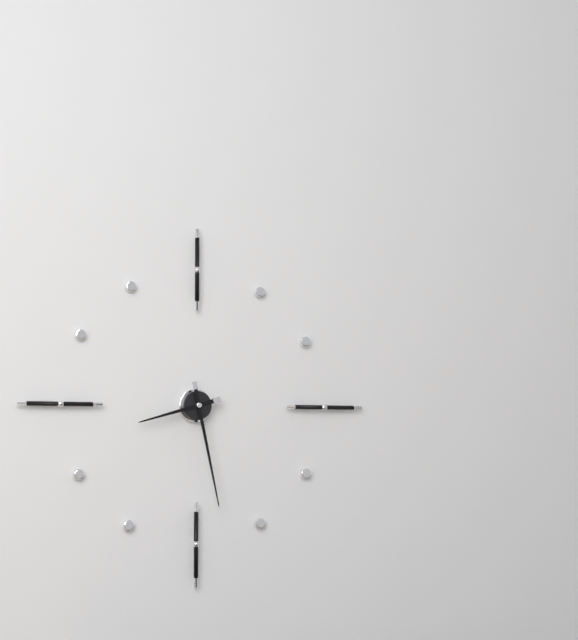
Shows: 8 h 28 min
